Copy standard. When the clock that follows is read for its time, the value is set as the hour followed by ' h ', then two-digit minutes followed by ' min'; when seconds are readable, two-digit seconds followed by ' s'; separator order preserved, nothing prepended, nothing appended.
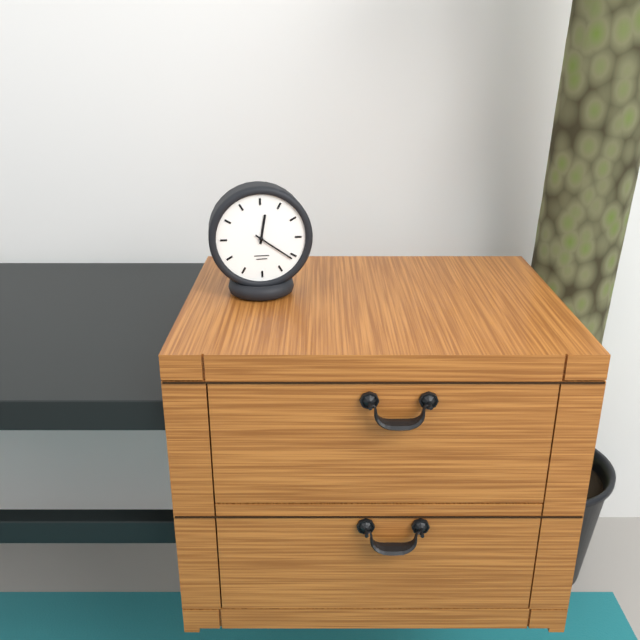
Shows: 12 h 21 min
